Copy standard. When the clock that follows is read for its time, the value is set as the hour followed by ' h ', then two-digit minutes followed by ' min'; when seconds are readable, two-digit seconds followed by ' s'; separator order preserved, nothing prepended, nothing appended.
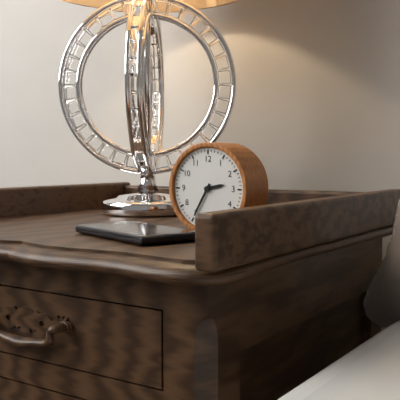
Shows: 2 h 35 min
